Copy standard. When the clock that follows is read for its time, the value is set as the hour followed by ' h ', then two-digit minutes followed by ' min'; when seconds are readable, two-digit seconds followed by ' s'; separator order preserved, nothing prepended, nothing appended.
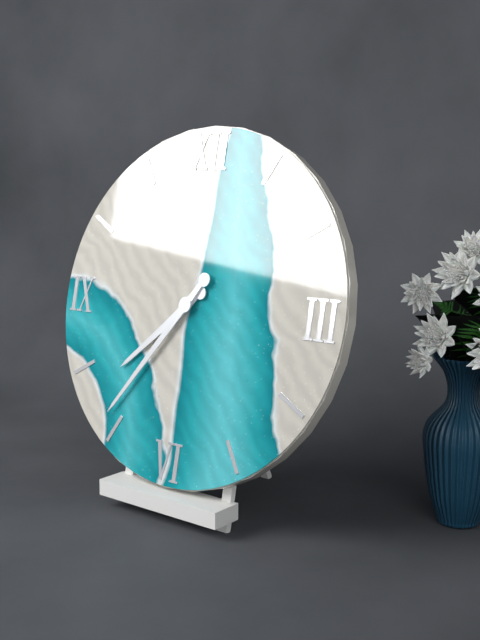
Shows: 7 h 36 min
